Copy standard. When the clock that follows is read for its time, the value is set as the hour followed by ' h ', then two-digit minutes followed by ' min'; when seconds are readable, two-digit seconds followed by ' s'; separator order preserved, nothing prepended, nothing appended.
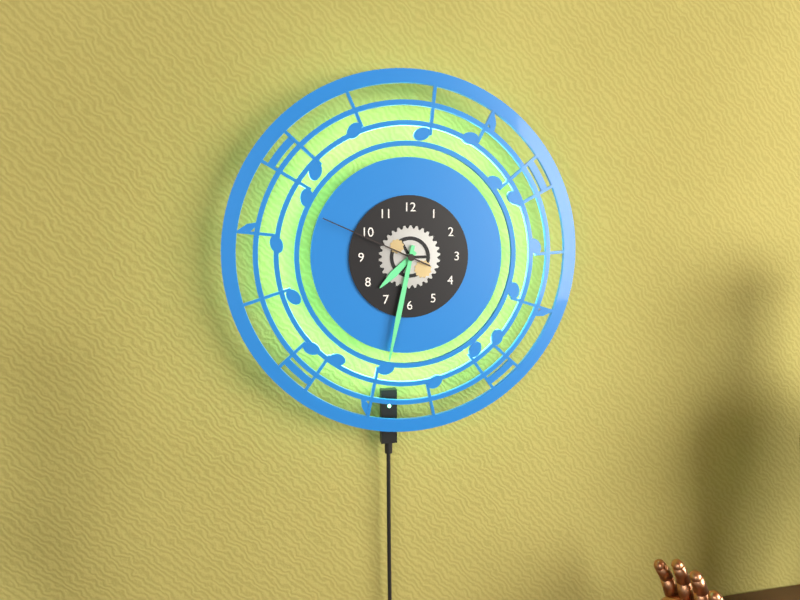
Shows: 7 h 32 min 49 s
